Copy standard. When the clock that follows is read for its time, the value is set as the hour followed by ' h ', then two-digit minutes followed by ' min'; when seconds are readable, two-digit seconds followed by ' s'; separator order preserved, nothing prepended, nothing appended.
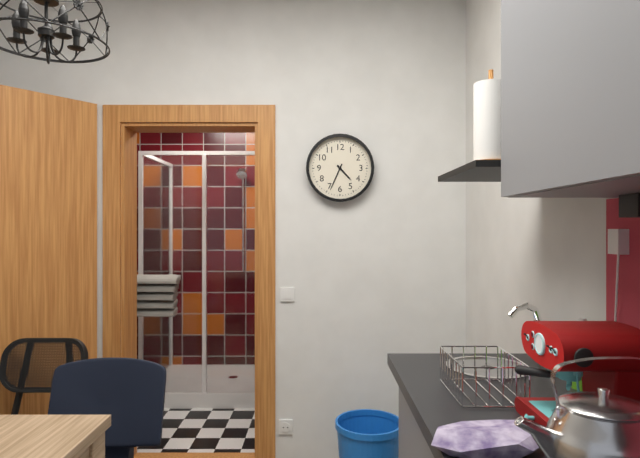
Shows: 4 h 34 min
